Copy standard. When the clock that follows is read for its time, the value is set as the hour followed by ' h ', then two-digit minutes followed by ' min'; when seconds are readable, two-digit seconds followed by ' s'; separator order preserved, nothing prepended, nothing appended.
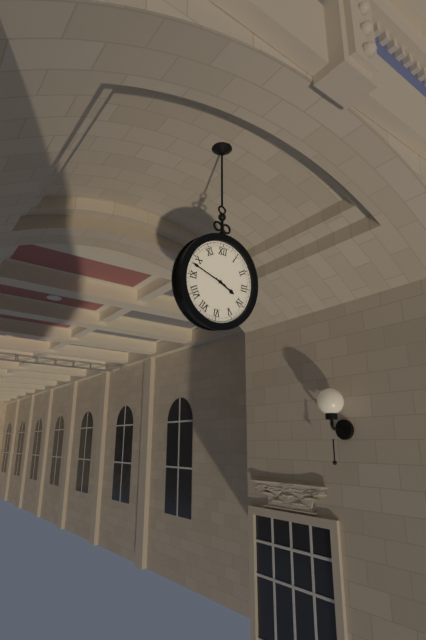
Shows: 3 h 48 min
